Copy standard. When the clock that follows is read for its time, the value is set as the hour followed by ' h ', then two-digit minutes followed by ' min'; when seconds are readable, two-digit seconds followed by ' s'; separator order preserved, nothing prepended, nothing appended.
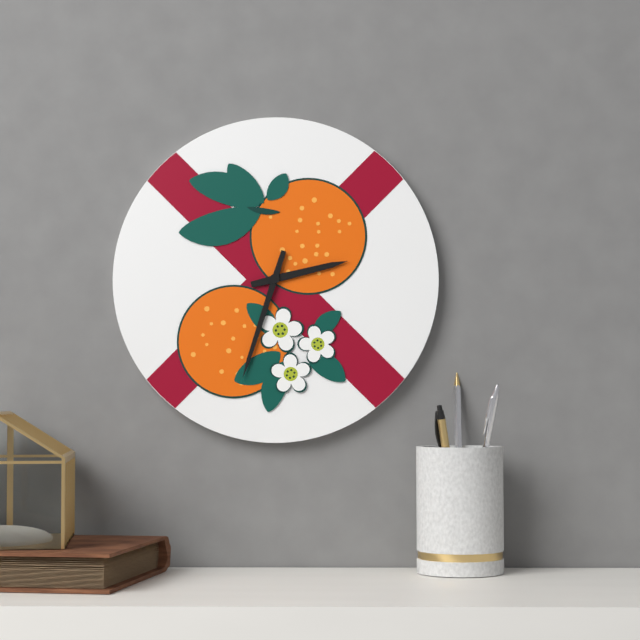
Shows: 2 h 33 min
